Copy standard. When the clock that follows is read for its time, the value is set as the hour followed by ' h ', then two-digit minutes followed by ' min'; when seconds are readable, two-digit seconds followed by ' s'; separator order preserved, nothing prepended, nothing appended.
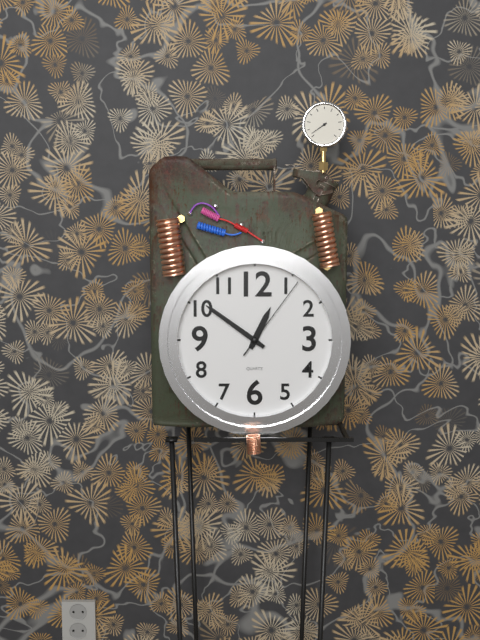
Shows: 12 h 51 min 06 s
